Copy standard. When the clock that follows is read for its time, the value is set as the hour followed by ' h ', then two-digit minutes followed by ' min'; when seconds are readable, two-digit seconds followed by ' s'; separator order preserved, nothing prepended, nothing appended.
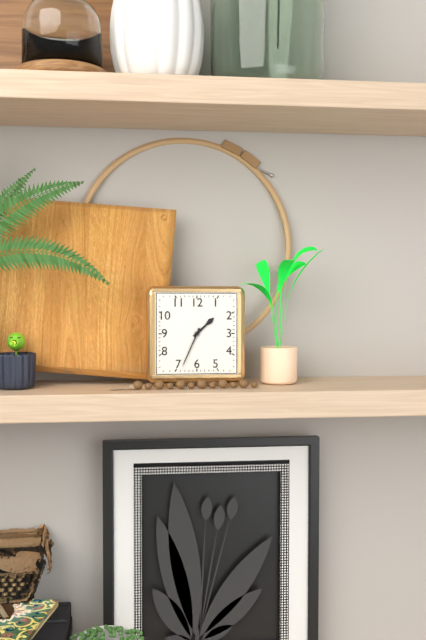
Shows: 1 h 34 min
